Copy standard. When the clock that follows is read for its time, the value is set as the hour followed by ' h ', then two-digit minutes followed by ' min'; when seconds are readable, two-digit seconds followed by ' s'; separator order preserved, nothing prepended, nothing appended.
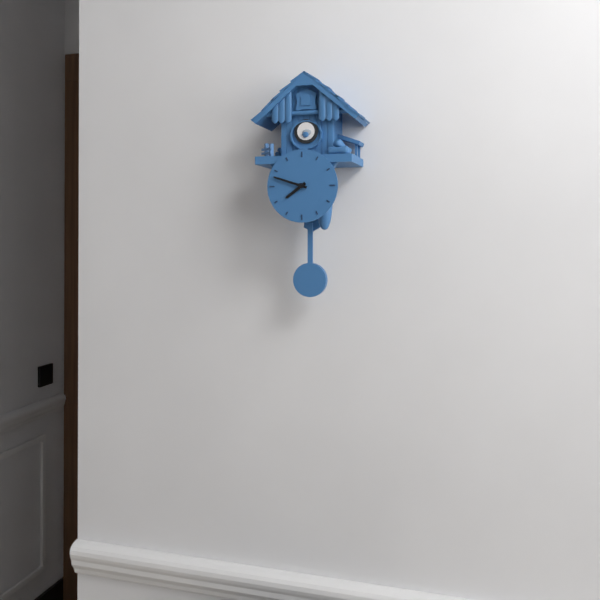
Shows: 7 h 48 min
